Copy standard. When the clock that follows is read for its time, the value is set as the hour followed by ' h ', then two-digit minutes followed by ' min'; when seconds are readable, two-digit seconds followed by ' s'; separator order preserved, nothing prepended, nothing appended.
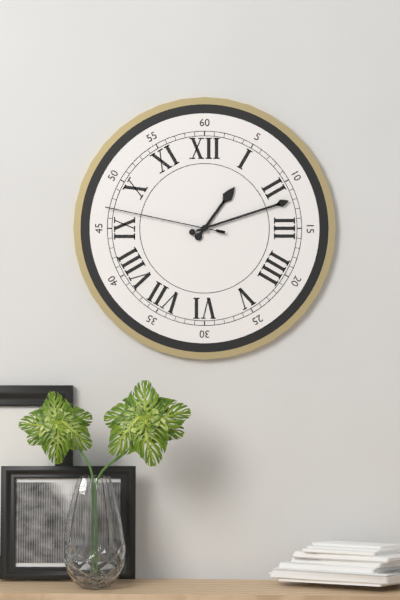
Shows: 1 h 12 min 47 s
